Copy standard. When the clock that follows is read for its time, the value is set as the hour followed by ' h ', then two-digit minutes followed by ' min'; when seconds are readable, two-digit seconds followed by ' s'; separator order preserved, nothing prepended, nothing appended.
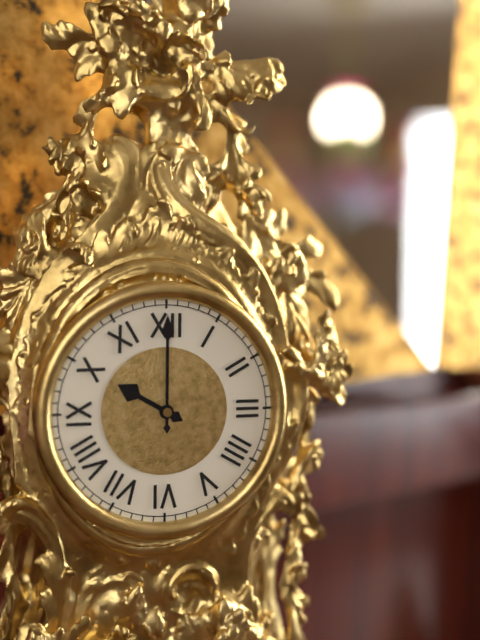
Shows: 10 h 00 min
